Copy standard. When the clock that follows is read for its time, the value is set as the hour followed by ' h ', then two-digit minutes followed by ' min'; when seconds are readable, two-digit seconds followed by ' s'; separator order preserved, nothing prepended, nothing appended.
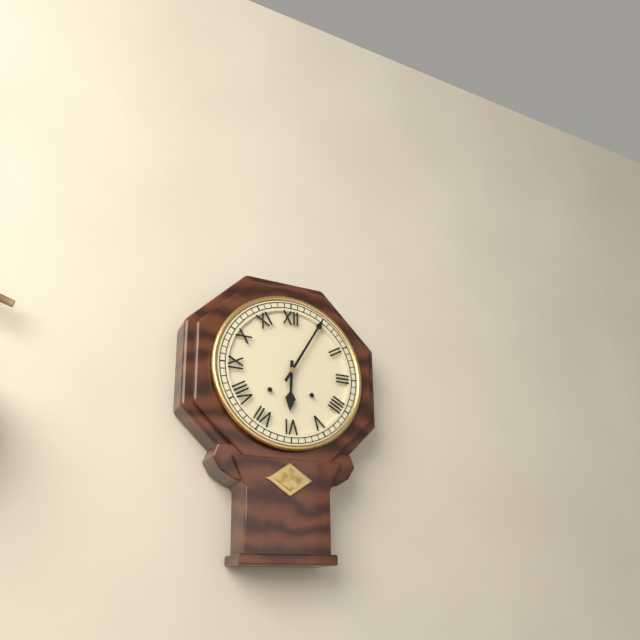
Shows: 6 h 05 min
